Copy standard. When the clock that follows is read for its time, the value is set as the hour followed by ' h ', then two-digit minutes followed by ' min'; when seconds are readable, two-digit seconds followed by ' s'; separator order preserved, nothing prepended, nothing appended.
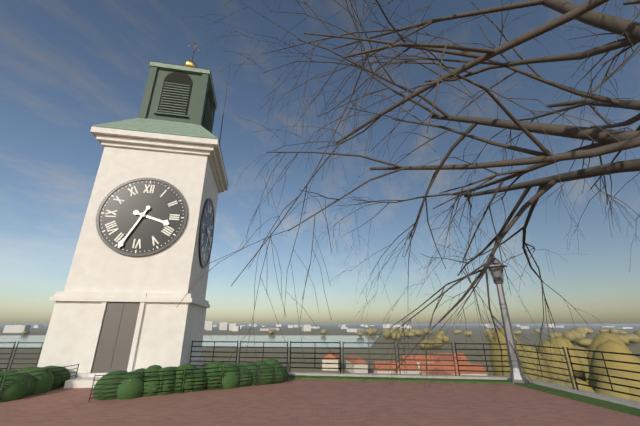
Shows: 3 h 34 min
